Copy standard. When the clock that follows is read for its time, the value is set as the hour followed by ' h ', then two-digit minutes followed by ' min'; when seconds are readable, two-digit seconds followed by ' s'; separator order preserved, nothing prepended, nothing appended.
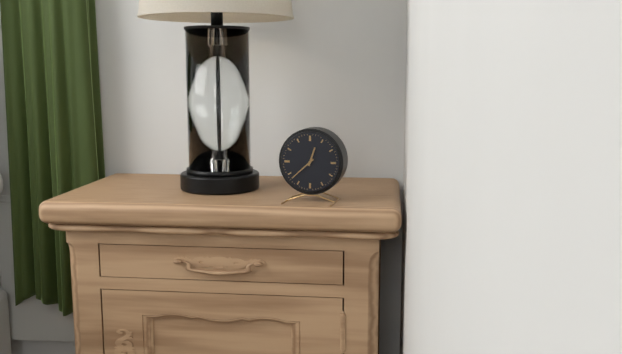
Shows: 12 h 38 min
